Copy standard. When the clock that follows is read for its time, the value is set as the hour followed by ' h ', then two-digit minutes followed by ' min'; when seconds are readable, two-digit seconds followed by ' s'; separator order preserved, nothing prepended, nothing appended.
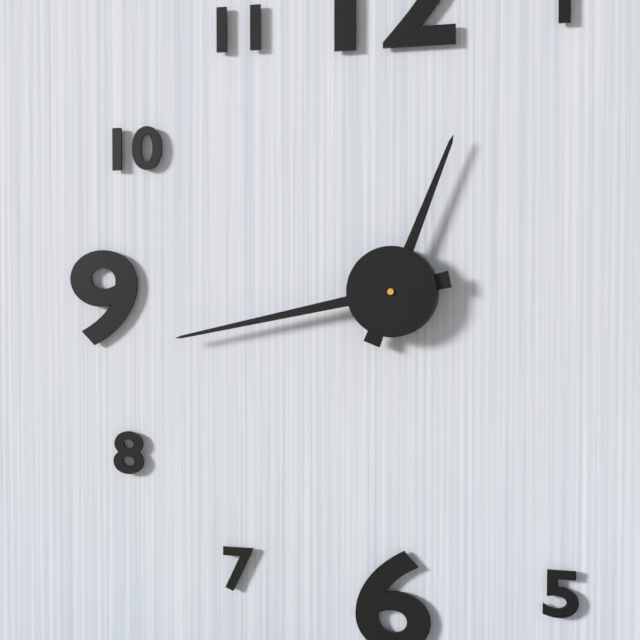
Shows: 12 h 43 min
